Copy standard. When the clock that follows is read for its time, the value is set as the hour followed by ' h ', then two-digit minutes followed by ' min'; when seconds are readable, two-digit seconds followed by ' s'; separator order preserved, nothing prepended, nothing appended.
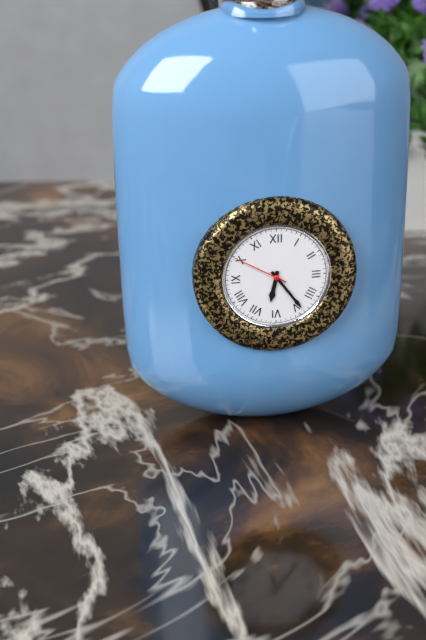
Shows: 6 h 24 min 50 s
